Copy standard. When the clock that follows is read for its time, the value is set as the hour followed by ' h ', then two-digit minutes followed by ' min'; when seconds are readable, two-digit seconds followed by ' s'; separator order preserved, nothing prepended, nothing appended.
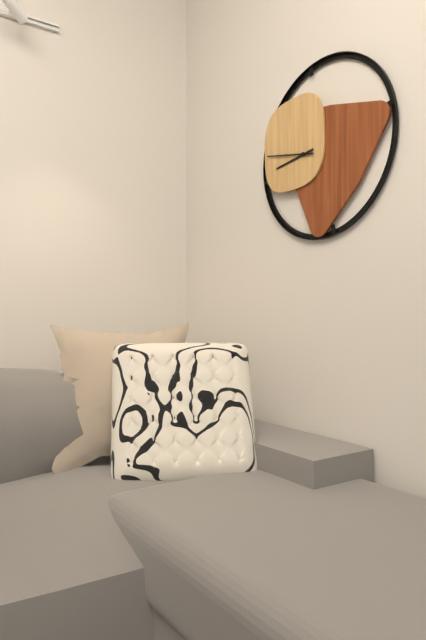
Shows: 8 h 47 min
